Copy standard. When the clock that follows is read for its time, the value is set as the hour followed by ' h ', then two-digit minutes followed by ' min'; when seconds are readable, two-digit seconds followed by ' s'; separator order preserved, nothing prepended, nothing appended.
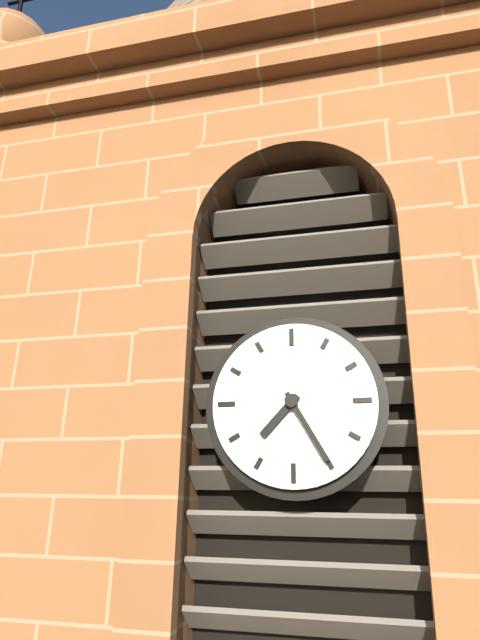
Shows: 7 h 25 min
